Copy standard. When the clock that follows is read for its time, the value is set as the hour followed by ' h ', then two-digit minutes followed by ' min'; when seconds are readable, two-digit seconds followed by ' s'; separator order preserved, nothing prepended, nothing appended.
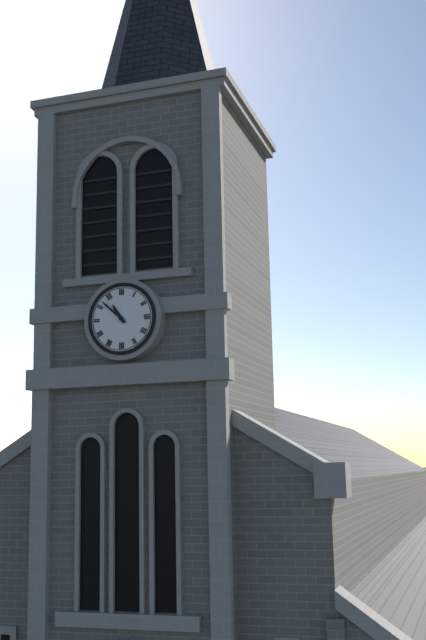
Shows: 10 h 52 min
